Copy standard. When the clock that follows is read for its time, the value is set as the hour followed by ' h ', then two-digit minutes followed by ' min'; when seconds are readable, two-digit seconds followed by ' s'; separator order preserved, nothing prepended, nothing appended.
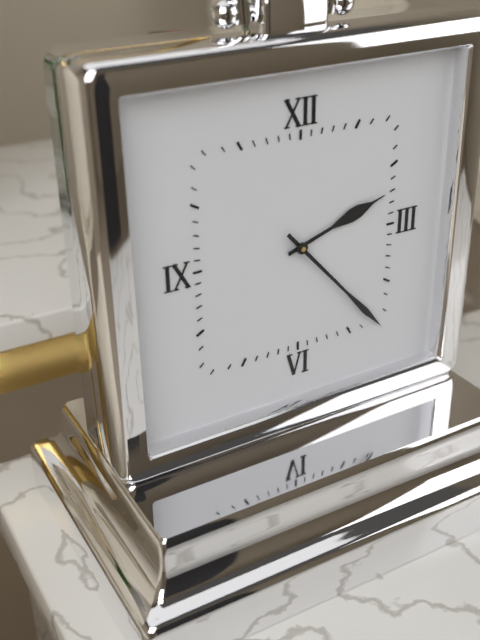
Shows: 2 h 23 min
